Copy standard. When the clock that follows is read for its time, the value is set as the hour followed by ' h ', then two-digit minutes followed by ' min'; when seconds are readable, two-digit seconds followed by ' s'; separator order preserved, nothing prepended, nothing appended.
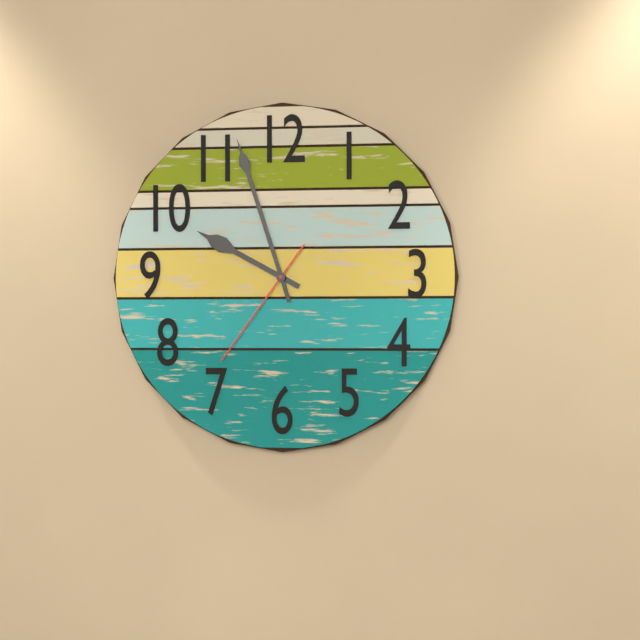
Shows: 9 h 57 min 36 s
